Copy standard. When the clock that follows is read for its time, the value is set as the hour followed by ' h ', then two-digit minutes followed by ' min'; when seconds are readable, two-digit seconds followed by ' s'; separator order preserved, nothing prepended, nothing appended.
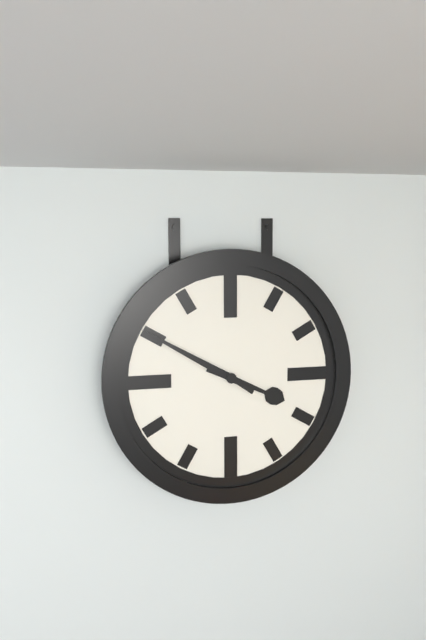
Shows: 3 h 50 min
